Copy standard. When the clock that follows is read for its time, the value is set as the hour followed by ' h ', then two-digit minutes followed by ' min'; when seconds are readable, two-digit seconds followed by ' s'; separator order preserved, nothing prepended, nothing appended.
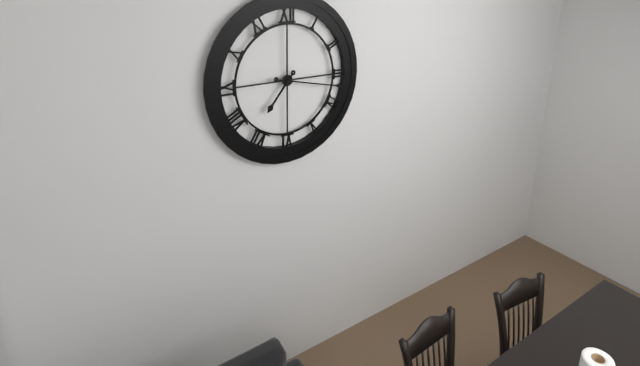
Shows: 7 h 17 min
